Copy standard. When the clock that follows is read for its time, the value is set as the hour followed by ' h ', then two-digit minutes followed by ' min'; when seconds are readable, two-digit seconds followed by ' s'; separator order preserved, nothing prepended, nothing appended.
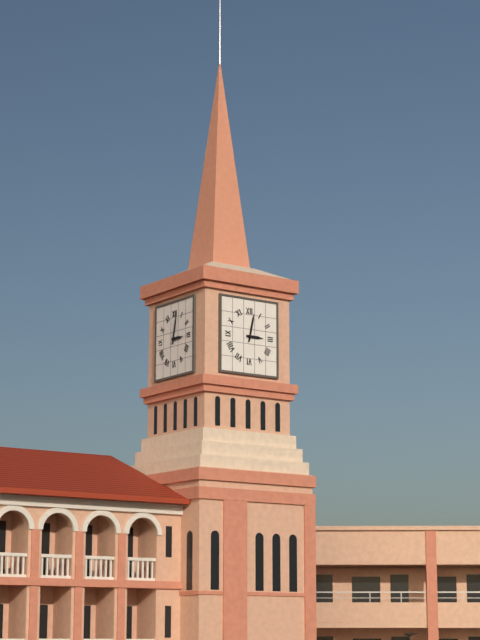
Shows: 3 h 02 min
